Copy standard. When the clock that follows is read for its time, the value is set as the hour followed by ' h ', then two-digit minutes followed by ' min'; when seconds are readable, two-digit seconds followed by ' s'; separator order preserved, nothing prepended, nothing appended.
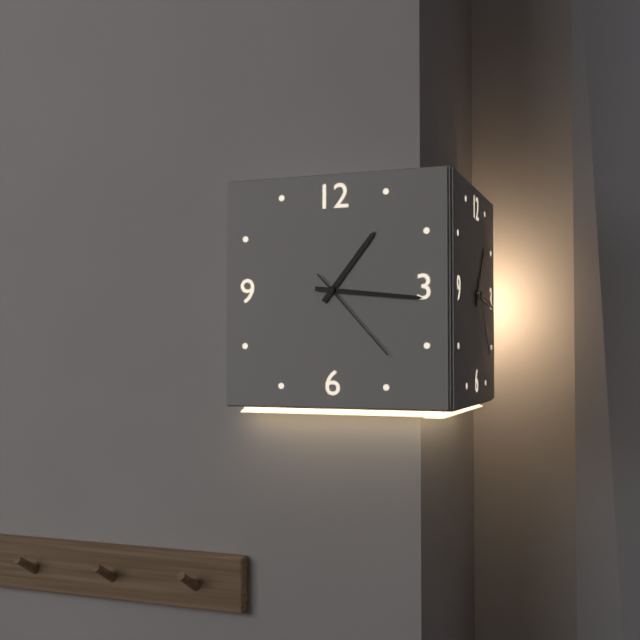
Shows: 1 h 16 min 23 s
